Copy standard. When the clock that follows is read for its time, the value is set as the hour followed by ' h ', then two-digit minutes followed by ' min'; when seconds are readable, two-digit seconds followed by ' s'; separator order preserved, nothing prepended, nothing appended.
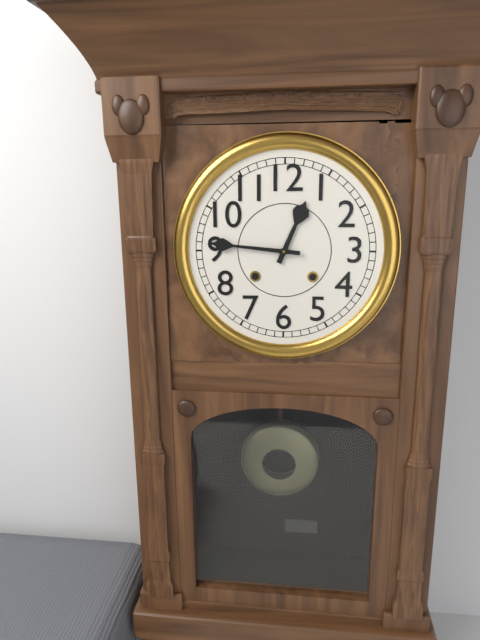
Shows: 12 h 46 min
